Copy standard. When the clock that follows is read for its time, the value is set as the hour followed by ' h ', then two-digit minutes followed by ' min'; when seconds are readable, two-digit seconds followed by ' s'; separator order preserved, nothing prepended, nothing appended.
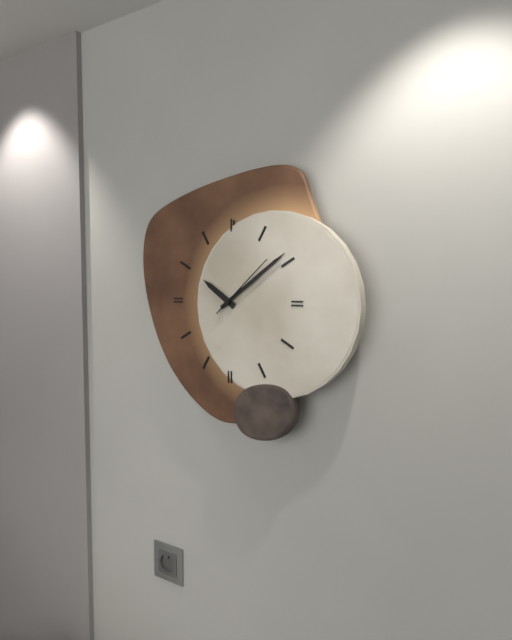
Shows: 10 h 09 min 08 s
